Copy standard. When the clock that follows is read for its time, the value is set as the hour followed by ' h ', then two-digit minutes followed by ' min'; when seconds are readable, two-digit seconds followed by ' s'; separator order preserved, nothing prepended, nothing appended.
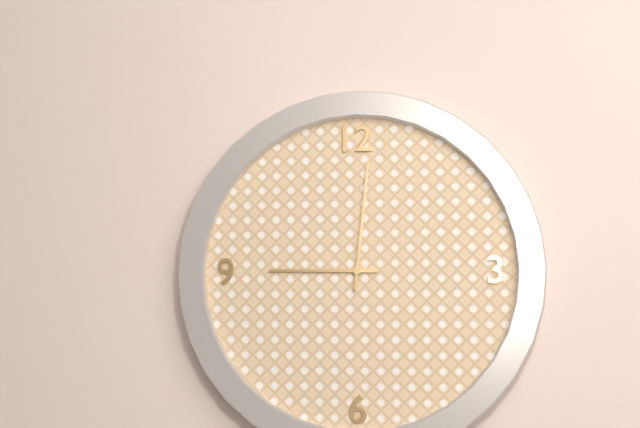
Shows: 9 h 01 min
